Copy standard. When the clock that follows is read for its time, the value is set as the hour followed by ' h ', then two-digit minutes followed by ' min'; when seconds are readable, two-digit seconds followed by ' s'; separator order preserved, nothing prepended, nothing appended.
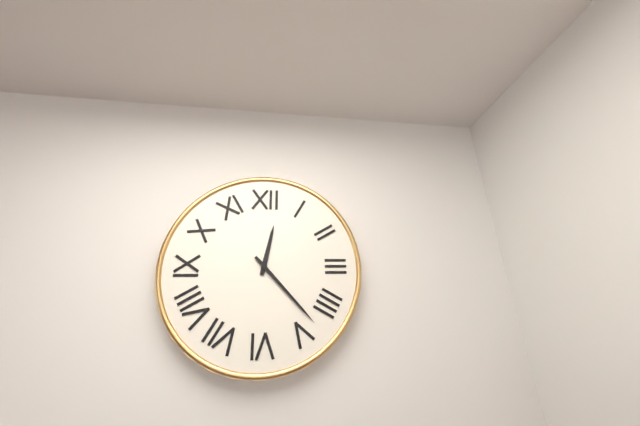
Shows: 12 h 23 min
